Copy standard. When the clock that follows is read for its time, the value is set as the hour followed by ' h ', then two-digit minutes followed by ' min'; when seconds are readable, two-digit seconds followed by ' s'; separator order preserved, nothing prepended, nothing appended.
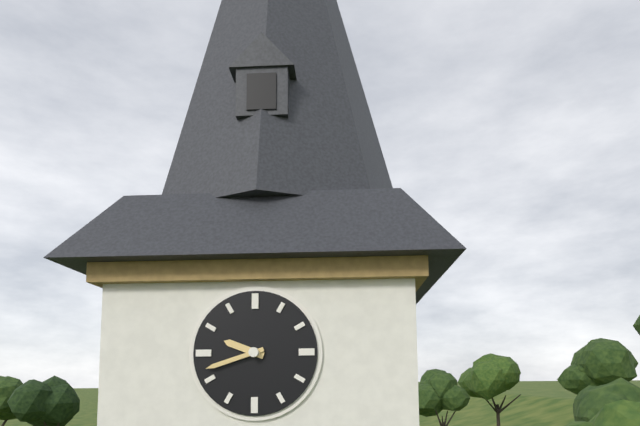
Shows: 9 h 42 min
